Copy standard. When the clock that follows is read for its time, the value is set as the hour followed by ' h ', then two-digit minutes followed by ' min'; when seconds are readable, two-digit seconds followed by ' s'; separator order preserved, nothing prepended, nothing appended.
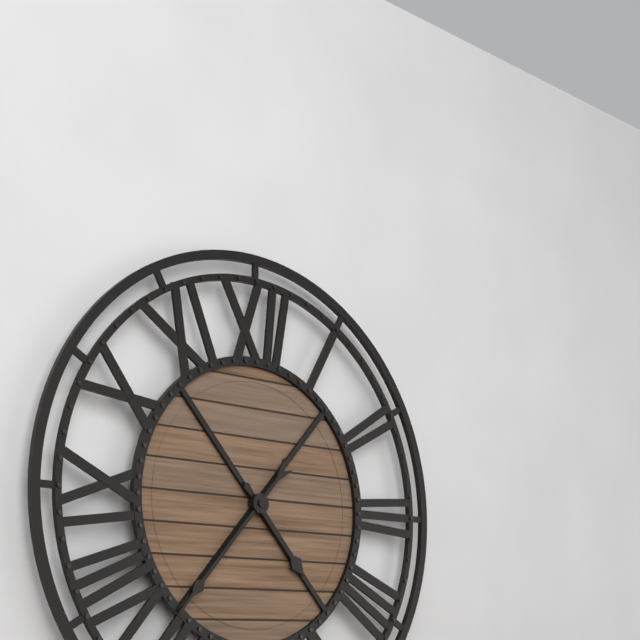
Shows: 4 h 37 min
